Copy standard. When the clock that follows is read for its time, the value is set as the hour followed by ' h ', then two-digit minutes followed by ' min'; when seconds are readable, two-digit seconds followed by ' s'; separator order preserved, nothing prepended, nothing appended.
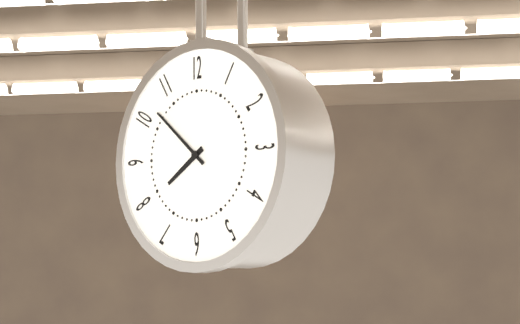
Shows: 7 h 52 min
